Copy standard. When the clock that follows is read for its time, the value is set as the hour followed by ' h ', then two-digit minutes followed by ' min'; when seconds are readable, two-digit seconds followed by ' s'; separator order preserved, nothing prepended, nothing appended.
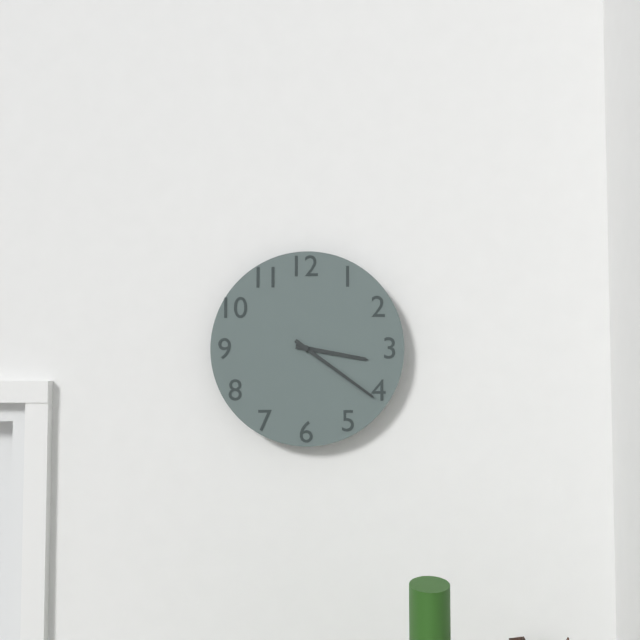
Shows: 3 h 21 min
